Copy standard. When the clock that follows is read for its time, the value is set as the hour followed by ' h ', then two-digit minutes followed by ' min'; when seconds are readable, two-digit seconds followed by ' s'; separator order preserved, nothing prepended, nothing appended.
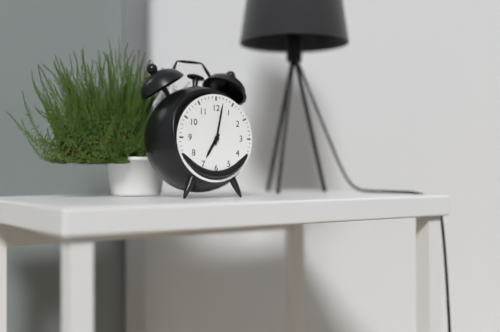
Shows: 7 h 02 min
